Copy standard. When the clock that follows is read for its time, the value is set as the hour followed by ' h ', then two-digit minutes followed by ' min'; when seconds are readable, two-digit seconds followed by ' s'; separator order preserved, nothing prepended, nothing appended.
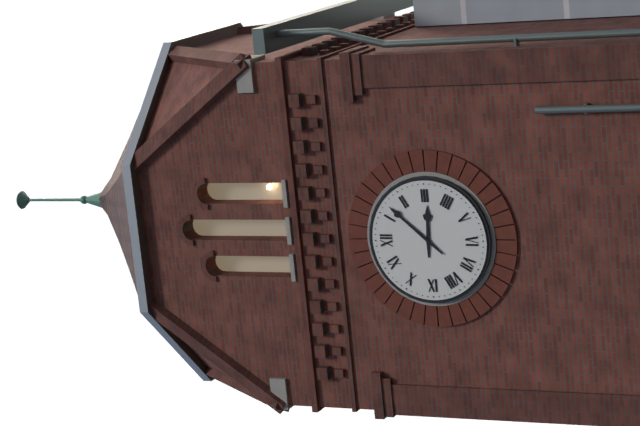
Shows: 3 h 07 min
